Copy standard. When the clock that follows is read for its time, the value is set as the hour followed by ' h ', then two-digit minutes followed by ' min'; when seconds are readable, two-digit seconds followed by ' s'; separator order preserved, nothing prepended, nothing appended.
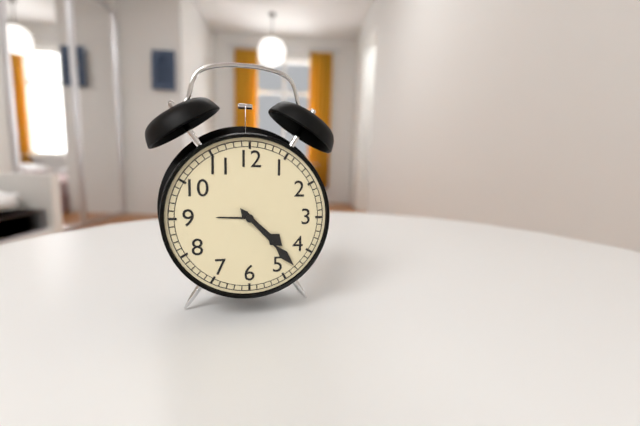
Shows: 4 h 23 min
